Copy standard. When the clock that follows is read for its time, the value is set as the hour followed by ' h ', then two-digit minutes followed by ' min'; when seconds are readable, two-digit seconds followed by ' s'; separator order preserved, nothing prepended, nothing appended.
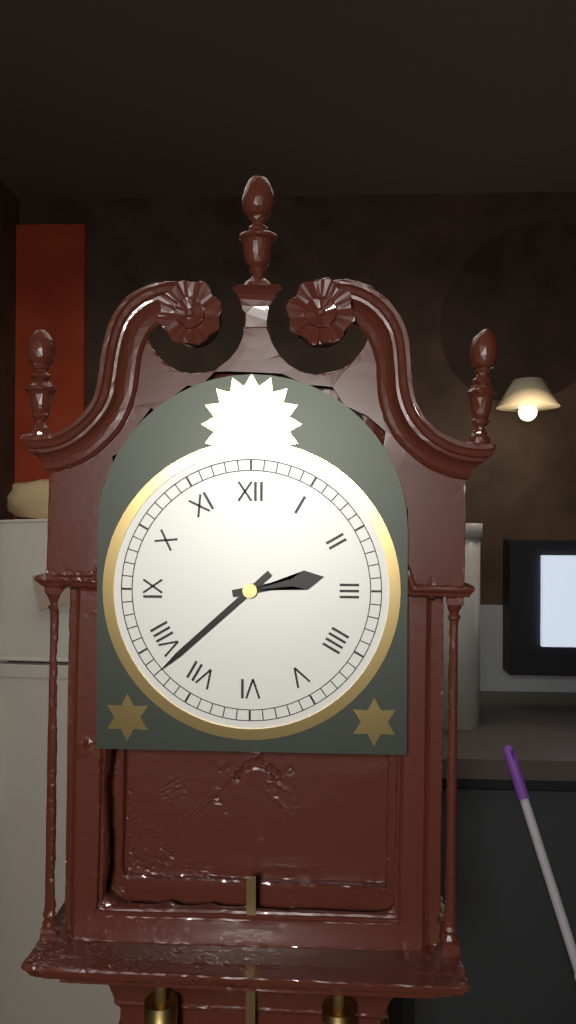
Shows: 2 h 38 min
